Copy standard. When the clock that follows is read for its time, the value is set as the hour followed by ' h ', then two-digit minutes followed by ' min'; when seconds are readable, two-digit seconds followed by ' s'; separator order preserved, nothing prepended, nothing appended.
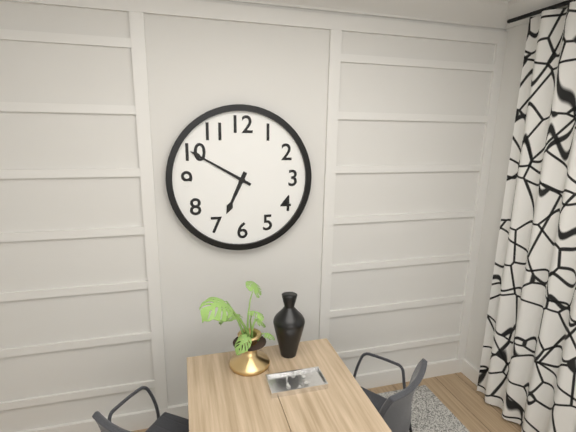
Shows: 6 h 50 min
